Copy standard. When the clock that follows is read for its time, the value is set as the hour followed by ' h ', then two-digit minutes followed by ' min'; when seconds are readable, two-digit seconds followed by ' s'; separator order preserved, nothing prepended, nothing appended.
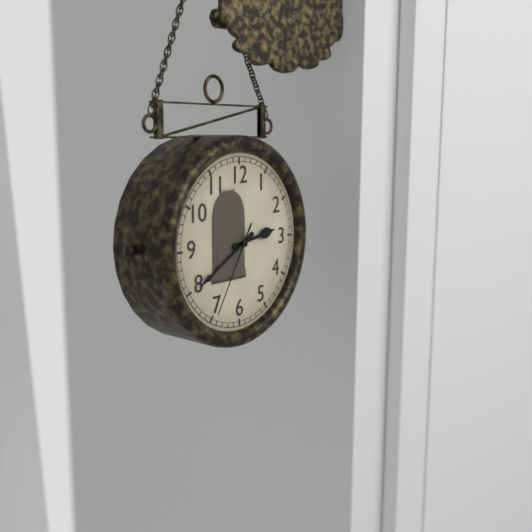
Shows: 2 h 40 min 35 s
